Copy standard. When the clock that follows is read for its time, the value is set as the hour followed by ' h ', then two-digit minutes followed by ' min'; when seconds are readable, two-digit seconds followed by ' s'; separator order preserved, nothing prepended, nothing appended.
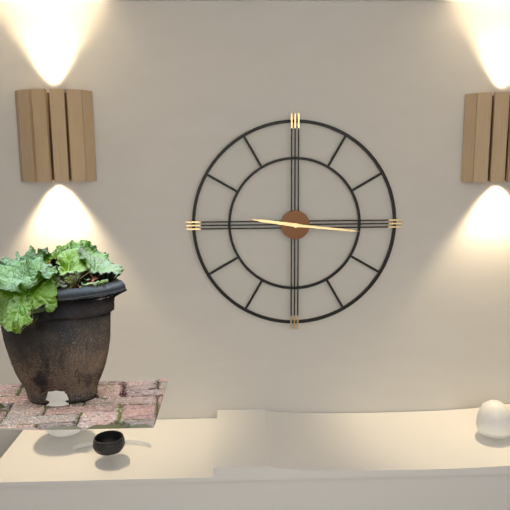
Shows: 9 h 16 min
